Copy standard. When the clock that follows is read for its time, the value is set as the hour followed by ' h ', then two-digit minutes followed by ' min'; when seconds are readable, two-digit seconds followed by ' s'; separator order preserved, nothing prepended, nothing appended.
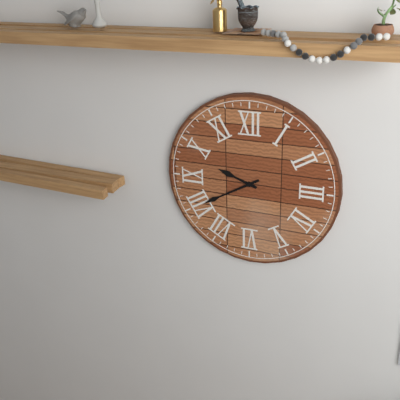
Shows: 9 h 40 min
